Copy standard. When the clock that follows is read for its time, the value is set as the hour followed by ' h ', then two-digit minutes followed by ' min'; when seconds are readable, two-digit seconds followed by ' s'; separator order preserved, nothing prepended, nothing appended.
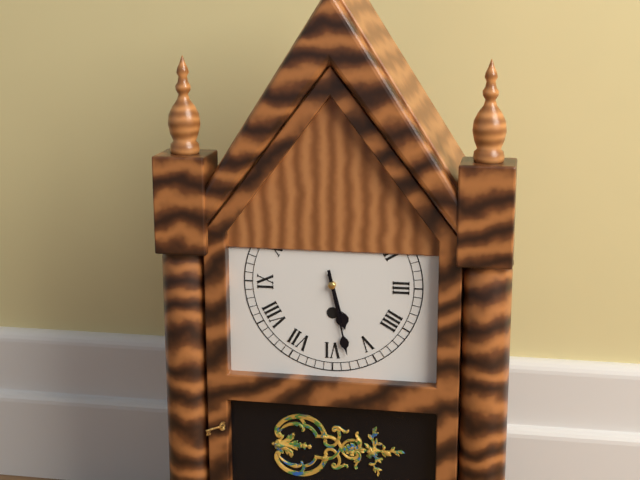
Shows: 5 h 28 min
